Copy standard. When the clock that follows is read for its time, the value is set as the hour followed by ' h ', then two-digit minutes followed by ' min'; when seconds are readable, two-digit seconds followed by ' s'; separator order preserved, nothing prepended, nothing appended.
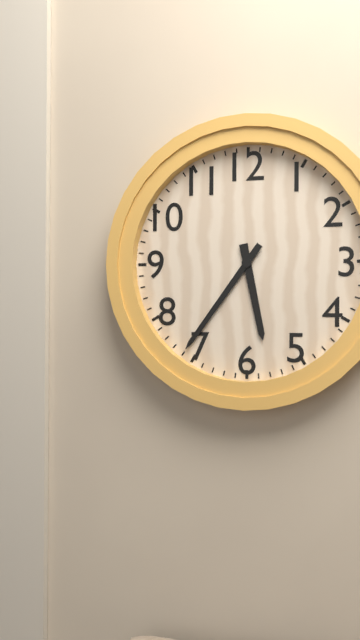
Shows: 5 h 36 min
